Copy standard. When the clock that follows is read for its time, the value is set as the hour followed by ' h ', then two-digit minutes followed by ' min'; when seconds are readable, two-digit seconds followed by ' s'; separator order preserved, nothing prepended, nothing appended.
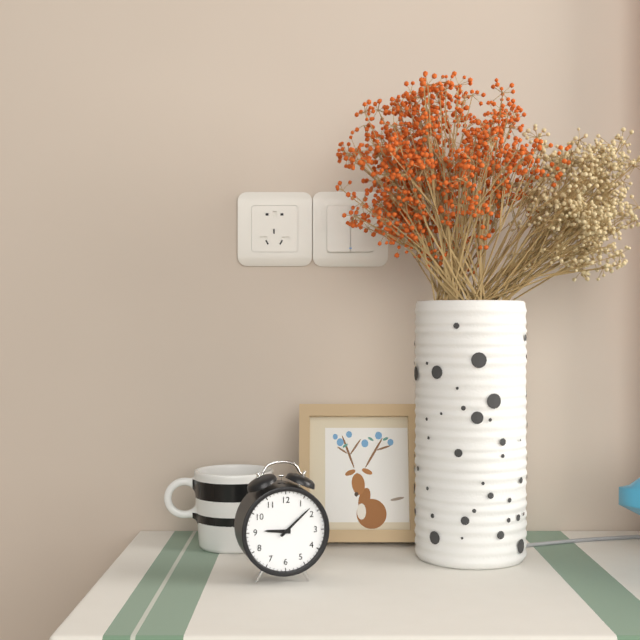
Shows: 9 h 08 min
